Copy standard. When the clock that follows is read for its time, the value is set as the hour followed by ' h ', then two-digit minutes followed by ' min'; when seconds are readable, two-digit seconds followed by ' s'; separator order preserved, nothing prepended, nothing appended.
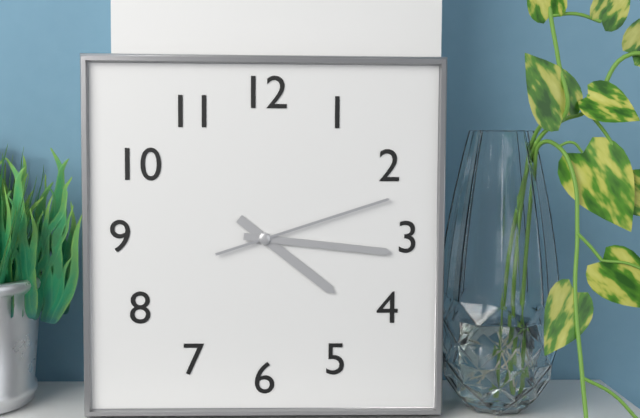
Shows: 4 h 16 min 12 s
